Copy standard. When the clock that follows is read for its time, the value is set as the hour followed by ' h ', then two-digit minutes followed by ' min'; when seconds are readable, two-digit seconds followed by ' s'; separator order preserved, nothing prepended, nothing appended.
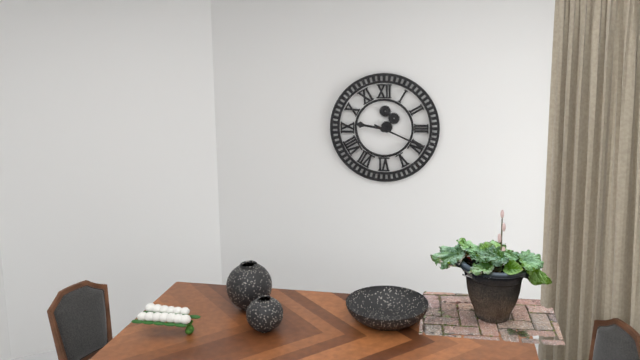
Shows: 9 h 19 min
